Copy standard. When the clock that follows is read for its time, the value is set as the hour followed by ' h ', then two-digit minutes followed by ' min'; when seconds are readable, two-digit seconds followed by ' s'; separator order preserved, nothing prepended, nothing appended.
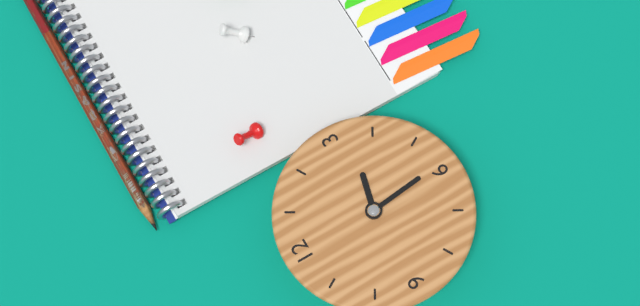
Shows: 3 h 29 min
